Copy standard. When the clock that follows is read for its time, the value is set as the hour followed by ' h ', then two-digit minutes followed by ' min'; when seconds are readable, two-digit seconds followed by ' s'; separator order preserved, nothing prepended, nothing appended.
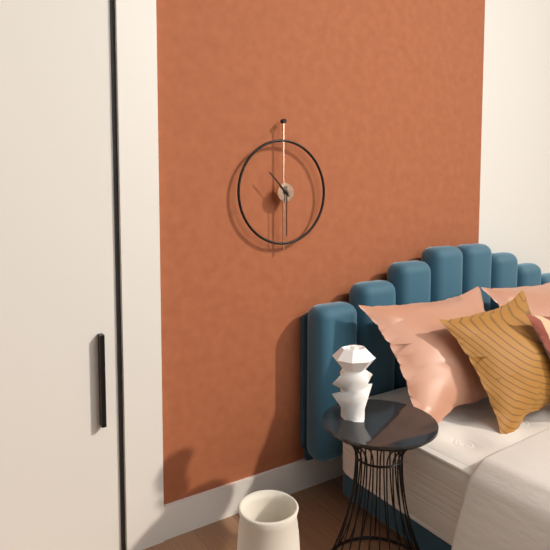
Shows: 10 h 30 min
